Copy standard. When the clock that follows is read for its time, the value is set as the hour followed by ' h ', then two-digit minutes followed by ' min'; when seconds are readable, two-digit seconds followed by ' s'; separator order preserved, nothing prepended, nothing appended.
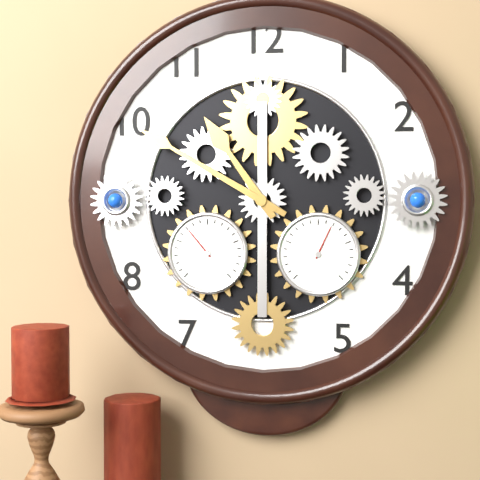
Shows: 10 h 50 min
